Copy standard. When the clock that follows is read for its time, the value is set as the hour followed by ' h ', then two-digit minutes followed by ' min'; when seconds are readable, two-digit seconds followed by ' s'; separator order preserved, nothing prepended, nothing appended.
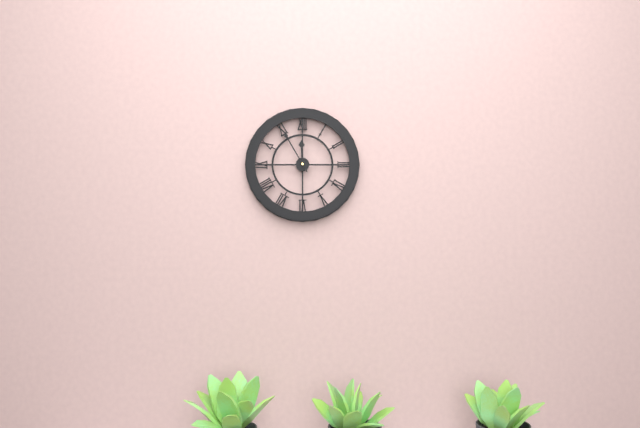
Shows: 11 h 55 min
